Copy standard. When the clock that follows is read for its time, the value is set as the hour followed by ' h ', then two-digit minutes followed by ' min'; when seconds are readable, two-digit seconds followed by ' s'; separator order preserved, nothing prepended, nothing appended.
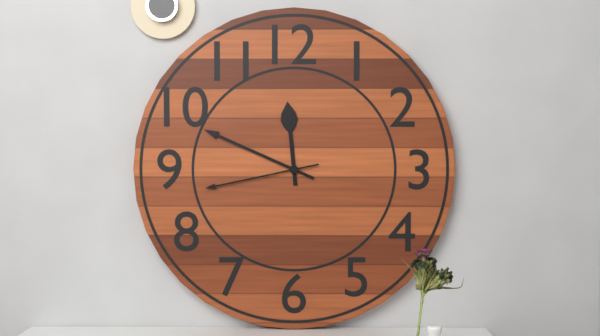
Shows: 11 h 49 min 43 s
